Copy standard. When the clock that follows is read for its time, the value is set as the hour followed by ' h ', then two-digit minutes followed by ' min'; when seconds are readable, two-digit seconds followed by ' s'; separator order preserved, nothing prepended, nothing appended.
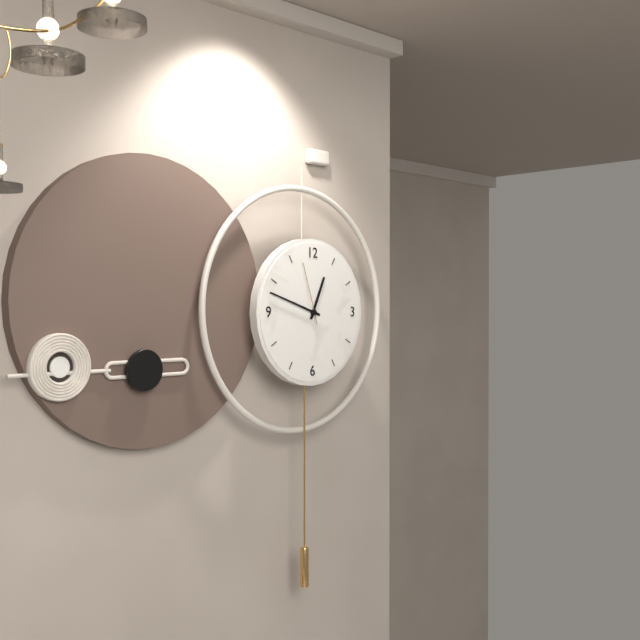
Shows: 12 h 48 min 57 s
